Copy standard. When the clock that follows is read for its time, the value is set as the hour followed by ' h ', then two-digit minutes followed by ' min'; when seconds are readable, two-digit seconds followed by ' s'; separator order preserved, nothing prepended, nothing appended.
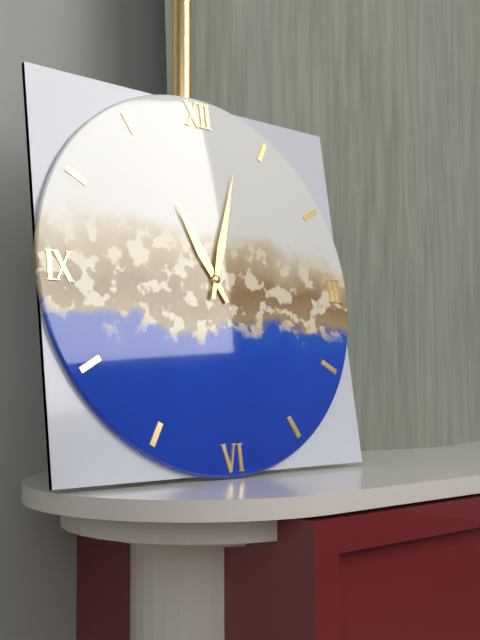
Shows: 11 h 03 min
